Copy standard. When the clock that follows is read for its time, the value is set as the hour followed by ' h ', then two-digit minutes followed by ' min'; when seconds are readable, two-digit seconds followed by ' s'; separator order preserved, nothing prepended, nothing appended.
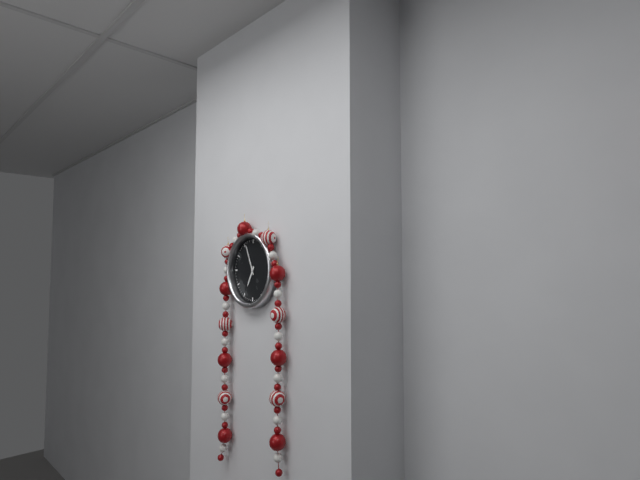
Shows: 6 h 56 min
